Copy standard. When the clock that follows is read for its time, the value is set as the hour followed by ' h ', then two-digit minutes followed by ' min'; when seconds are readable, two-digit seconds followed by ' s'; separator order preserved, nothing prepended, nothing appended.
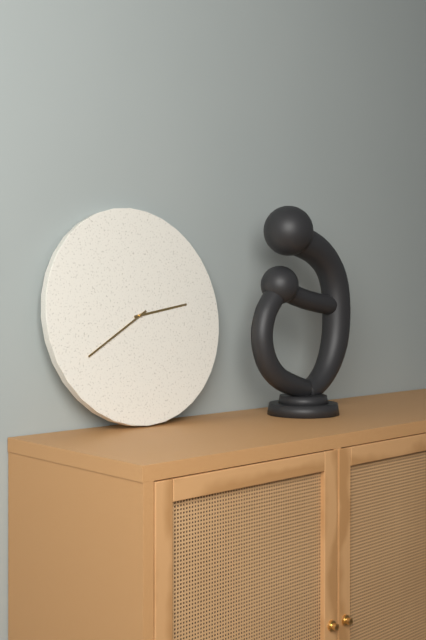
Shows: 2 h 40 min
